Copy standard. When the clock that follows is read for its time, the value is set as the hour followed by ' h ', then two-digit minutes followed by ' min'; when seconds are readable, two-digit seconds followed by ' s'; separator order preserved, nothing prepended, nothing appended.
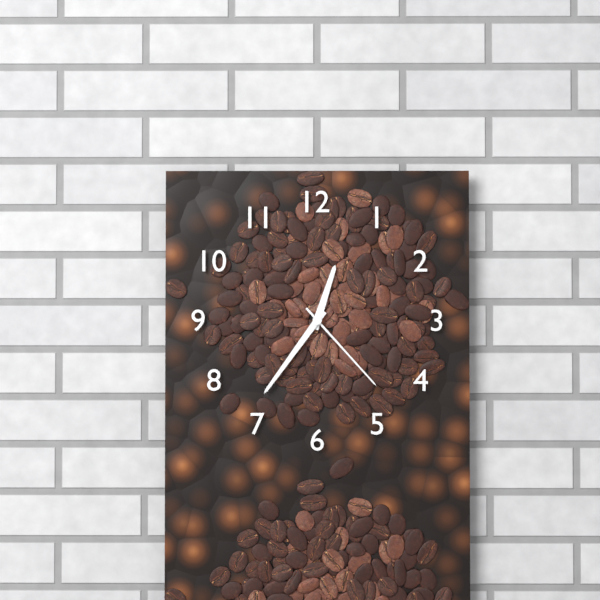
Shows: 12 h 36 min 23 s
